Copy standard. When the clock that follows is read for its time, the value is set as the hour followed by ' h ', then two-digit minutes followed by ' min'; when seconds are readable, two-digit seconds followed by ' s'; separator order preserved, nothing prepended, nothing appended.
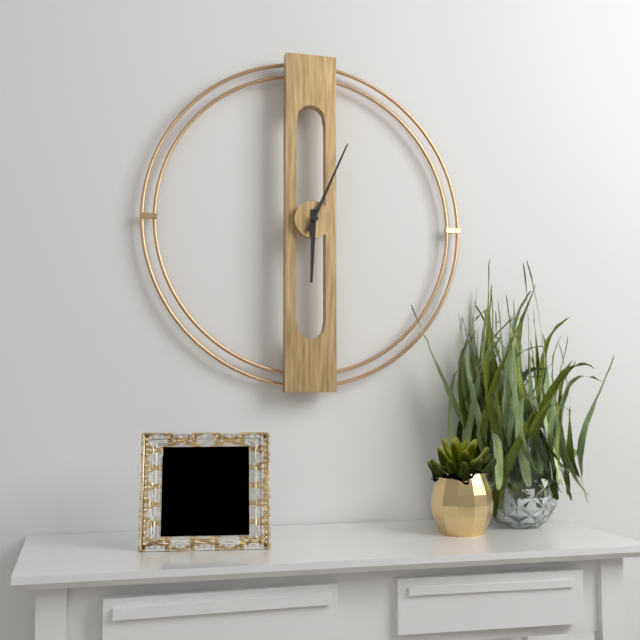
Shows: 6 h 04 min
